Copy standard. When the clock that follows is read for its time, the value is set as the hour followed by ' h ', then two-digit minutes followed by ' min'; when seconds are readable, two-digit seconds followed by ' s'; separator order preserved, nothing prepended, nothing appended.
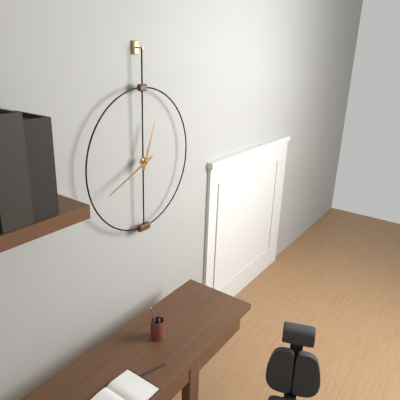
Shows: 12 h 41 min
